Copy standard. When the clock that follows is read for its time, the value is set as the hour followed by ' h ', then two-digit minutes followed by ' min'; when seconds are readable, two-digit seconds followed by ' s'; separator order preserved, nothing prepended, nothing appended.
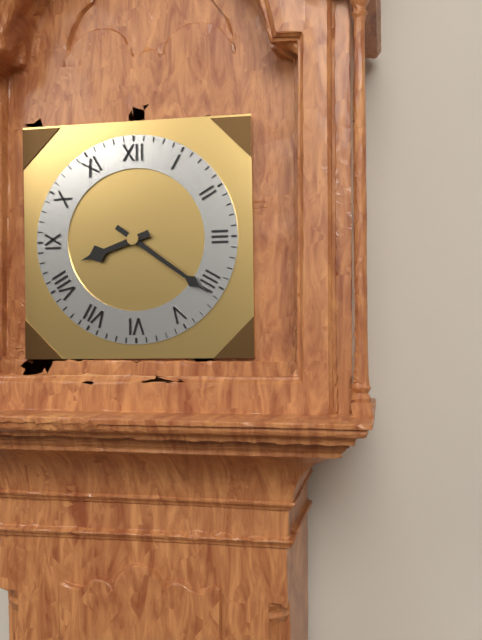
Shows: 8 h 21 min
